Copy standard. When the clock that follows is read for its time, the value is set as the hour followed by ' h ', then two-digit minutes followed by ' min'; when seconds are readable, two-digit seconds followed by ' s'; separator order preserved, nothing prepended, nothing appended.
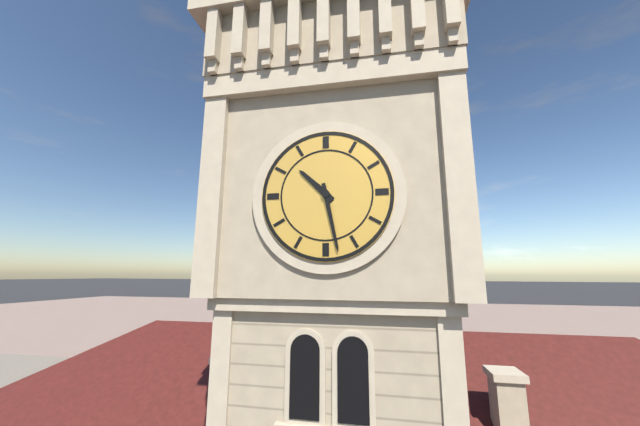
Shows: 10 h 28 min
